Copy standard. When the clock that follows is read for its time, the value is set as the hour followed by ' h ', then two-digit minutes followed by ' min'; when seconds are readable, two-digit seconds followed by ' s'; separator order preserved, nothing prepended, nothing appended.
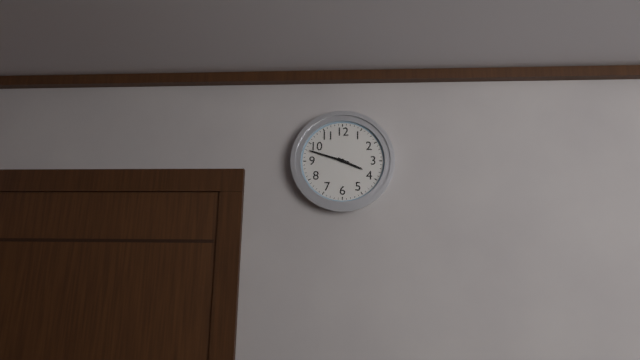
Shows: 3 h 48 min
